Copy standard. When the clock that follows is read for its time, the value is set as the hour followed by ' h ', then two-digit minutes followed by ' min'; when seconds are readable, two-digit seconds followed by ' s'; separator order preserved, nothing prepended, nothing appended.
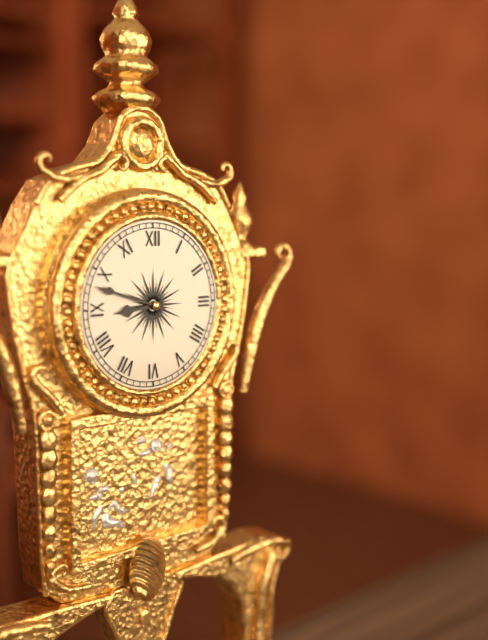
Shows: 8 h 48 min
